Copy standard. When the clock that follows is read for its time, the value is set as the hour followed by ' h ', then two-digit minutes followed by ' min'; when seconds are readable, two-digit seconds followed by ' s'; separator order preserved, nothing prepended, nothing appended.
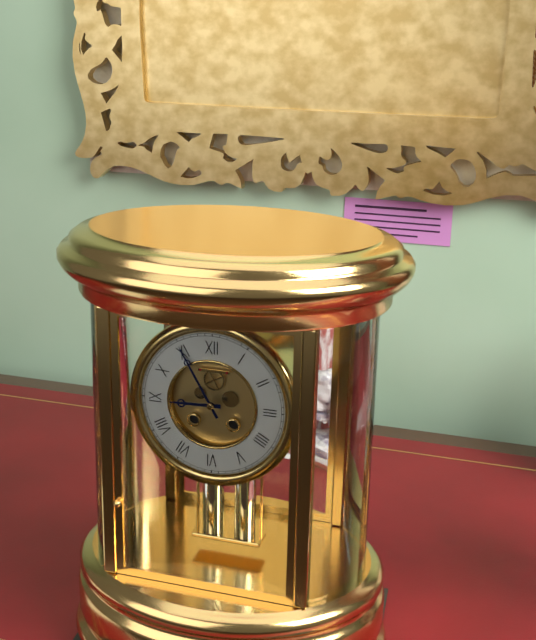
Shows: 8 h 55 min
